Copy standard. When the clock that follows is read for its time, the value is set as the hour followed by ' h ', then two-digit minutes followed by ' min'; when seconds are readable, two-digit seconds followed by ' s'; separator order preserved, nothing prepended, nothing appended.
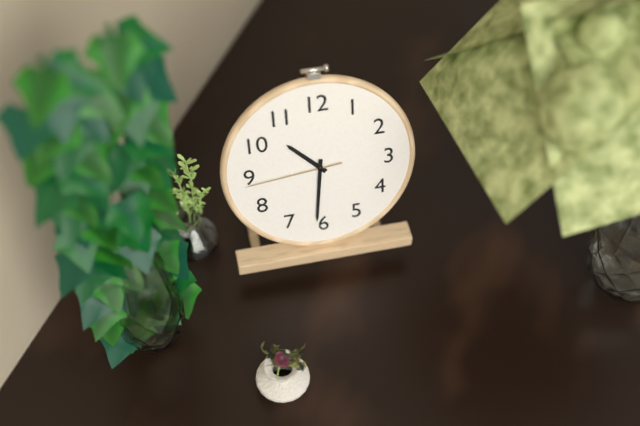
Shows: 10 h 31 min 44 s
